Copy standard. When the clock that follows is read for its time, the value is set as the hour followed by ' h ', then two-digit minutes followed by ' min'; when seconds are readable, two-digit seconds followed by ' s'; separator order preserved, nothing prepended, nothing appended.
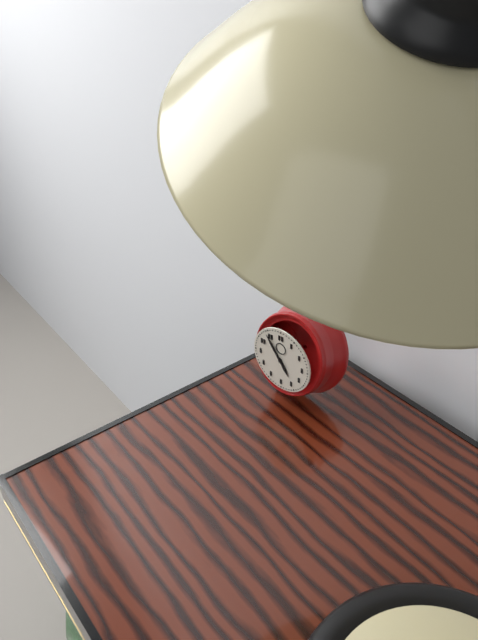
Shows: 4 h 54 min
